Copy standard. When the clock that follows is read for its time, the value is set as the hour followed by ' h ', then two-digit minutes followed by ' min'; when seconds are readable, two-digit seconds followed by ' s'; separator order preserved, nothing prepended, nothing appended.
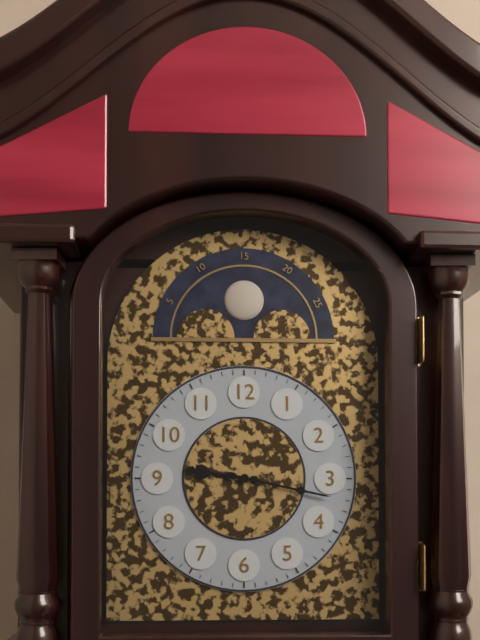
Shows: 9 h 17 min
